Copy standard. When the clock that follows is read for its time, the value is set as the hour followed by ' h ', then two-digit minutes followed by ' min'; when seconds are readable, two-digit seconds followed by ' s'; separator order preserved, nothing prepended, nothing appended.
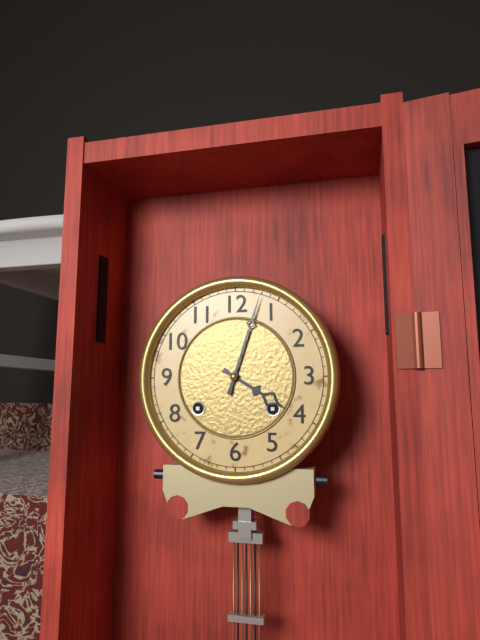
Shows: 4 h 03 min
